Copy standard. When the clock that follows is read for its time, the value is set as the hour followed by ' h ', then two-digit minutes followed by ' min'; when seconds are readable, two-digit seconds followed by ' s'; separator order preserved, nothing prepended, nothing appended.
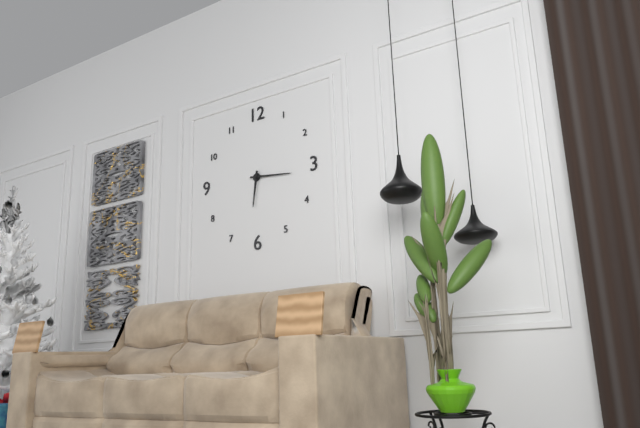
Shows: 6 h 16 min
